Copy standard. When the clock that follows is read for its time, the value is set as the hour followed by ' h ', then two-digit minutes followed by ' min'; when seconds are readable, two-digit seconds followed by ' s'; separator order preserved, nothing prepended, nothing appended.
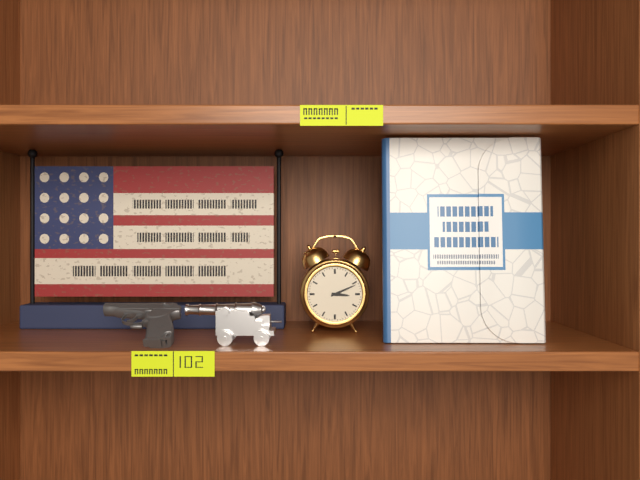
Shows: 3 h 11 min
